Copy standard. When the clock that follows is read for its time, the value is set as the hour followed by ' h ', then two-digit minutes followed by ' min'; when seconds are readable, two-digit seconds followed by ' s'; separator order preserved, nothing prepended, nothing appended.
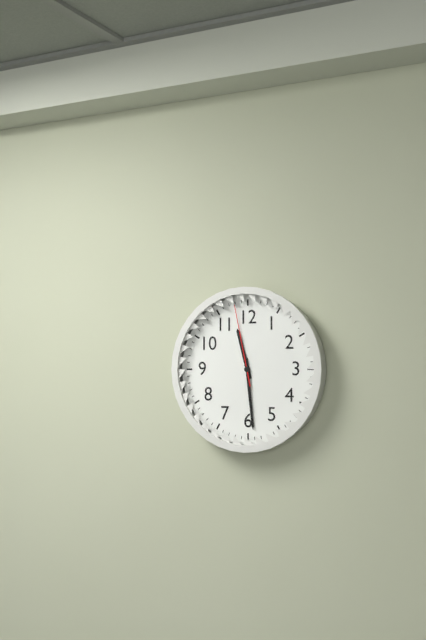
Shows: 11 h 29 min 58 s
